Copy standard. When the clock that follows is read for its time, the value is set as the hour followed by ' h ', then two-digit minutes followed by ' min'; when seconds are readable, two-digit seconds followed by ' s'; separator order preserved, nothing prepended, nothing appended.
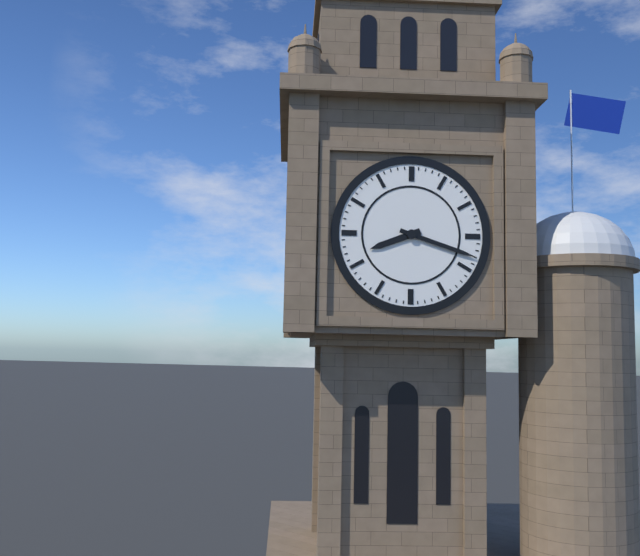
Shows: 8 h 18 min
